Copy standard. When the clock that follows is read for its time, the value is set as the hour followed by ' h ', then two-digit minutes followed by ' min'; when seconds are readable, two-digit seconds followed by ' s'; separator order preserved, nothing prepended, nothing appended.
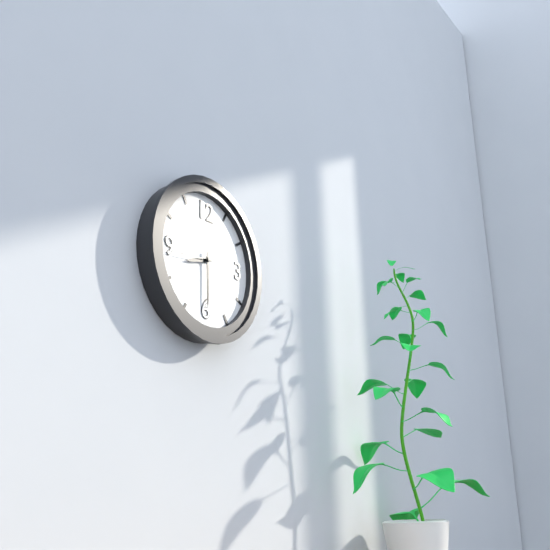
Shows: 8 h 30 min
